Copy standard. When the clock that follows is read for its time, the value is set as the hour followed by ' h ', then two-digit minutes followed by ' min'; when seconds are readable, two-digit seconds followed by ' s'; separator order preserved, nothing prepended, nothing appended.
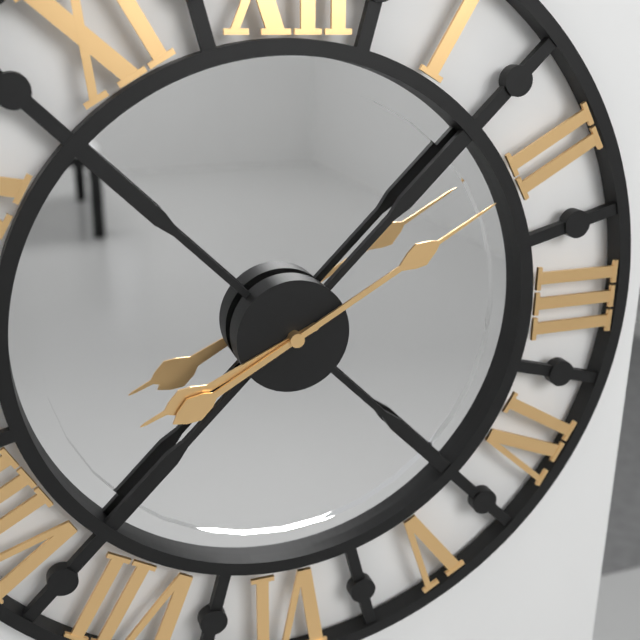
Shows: 8 h 10 min
